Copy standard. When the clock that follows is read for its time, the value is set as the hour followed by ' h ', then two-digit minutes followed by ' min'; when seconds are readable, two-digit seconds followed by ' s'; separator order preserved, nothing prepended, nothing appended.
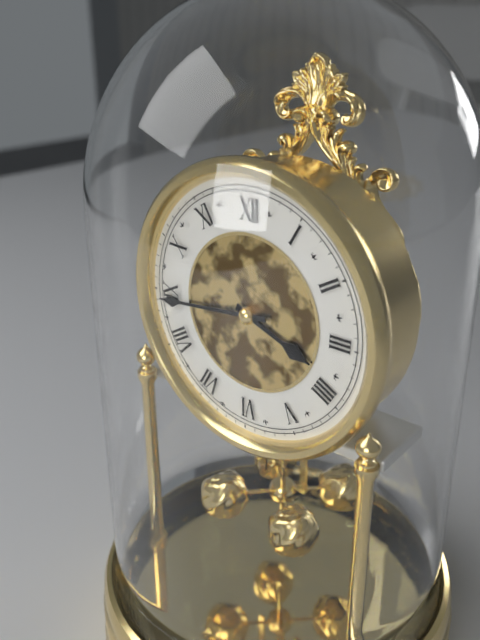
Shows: 3 h 44 min
